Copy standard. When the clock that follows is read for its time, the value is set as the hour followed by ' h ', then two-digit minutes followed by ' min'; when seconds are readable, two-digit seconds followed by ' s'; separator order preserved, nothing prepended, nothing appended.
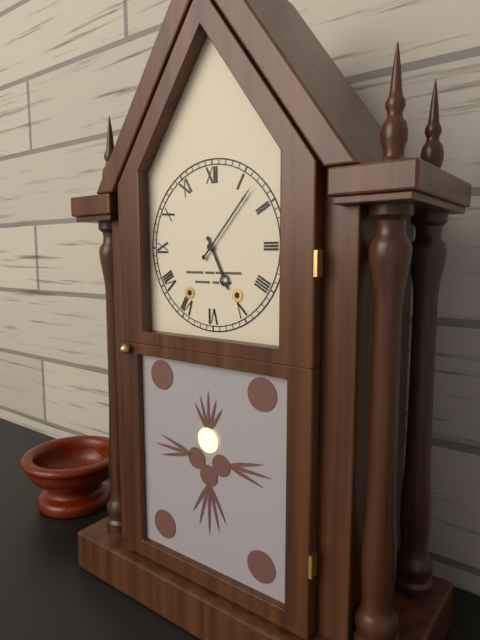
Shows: 5 h 07 min
